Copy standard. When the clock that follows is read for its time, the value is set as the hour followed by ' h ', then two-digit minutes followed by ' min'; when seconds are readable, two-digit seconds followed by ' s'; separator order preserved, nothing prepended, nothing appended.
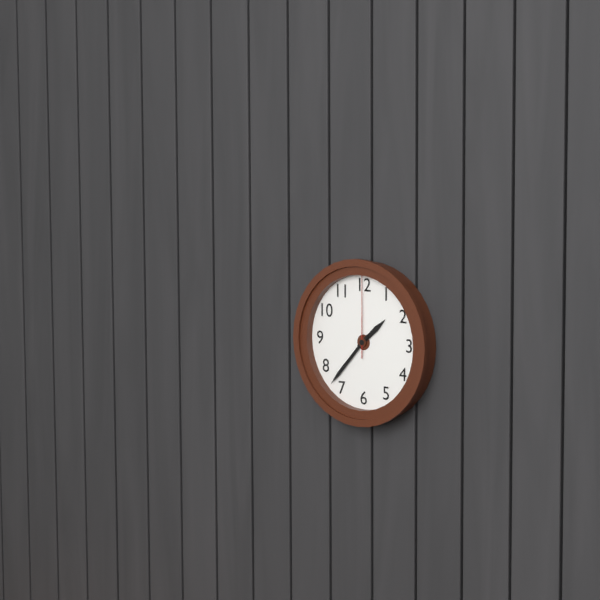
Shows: 1 h 37 min 00 s
